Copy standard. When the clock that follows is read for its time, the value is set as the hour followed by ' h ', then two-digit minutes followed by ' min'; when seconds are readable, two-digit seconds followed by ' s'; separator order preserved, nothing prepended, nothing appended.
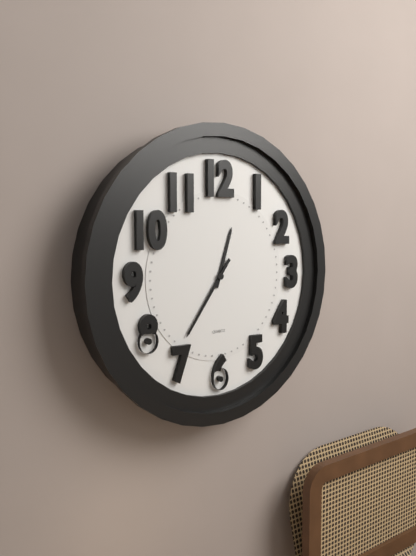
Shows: 12 h 36 min
